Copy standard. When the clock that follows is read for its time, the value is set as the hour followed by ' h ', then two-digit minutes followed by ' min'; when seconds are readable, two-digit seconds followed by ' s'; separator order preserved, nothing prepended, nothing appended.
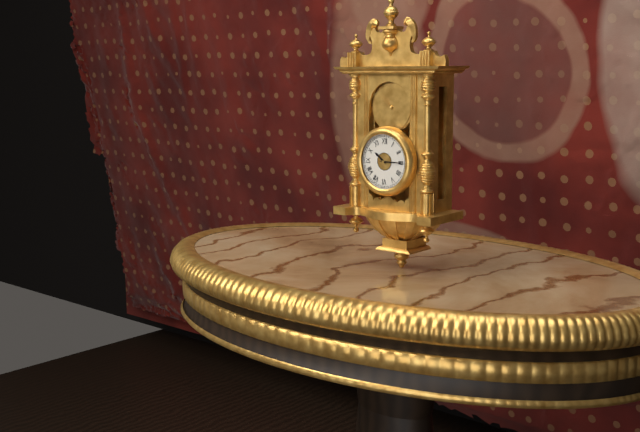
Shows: 10 h 15 min
